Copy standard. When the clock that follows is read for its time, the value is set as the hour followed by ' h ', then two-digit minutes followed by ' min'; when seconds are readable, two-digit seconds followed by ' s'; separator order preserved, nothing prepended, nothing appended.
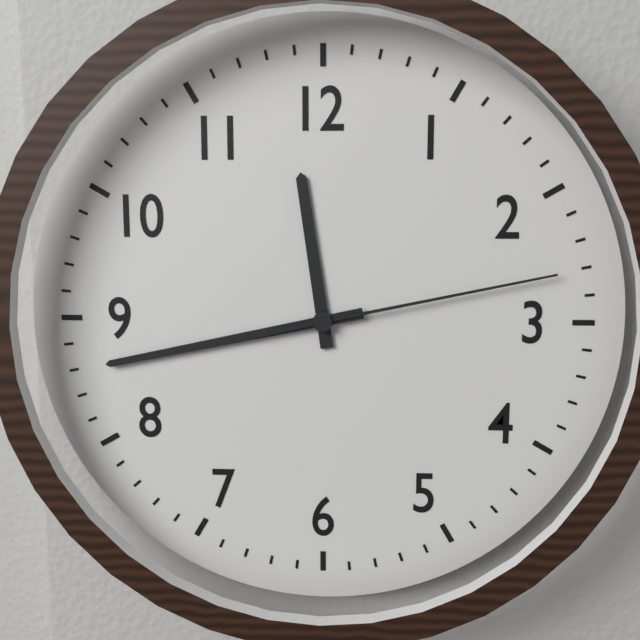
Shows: 11 h 43 min 13 s
